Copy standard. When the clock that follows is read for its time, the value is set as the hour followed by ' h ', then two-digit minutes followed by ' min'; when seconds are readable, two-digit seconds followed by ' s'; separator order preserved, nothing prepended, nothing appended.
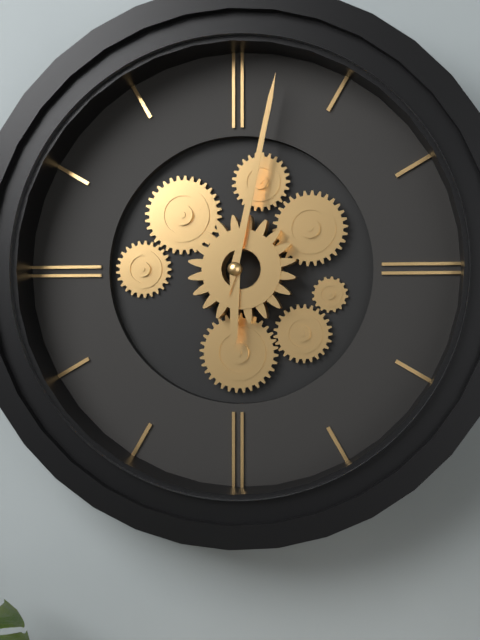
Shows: 6 h 02 min
